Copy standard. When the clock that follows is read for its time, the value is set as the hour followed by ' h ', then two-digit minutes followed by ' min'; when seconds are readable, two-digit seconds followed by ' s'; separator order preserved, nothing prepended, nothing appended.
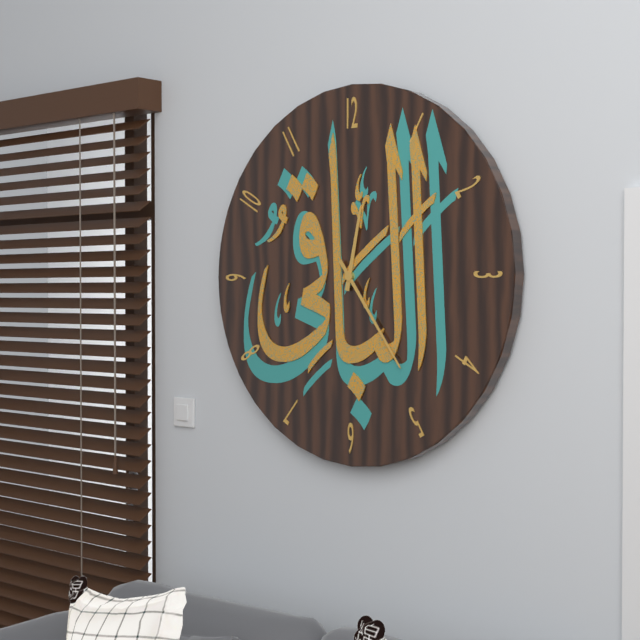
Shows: 12 h 24 min
